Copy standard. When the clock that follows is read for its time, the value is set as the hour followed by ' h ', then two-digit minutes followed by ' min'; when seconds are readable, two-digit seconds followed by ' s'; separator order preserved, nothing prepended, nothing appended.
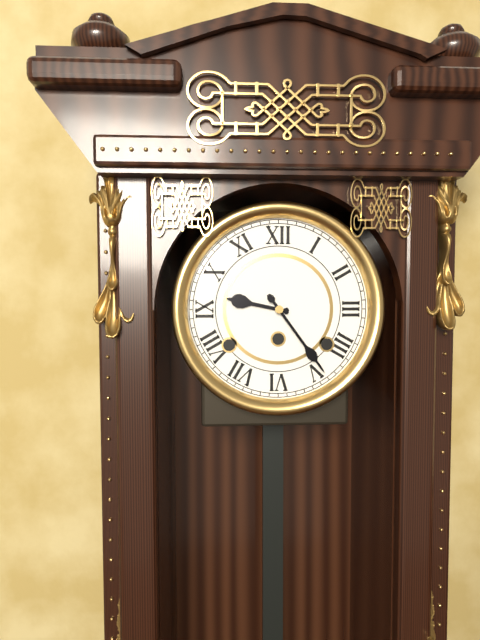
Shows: 9 h 24 min
